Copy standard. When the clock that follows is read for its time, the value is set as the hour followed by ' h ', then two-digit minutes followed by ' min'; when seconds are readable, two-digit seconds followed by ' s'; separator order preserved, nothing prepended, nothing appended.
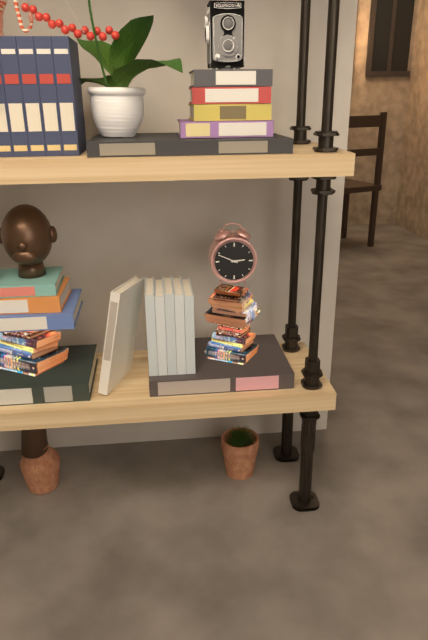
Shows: 2 h 49 min
